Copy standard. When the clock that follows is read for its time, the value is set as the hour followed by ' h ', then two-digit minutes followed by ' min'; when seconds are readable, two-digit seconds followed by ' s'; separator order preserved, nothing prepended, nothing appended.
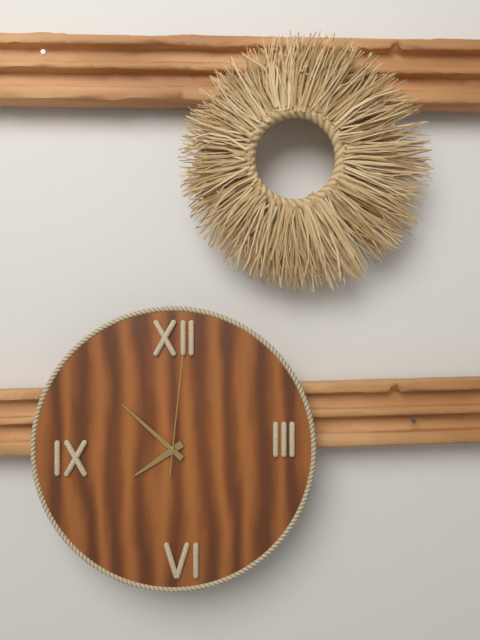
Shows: 7 h 52 min 01 s
